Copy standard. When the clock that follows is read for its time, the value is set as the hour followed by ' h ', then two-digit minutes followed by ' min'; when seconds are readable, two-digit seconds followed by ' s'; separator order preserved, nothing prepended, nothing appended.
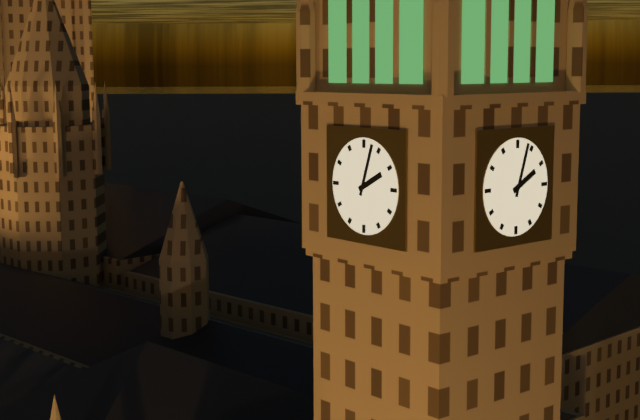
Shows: 2 h 03 min
